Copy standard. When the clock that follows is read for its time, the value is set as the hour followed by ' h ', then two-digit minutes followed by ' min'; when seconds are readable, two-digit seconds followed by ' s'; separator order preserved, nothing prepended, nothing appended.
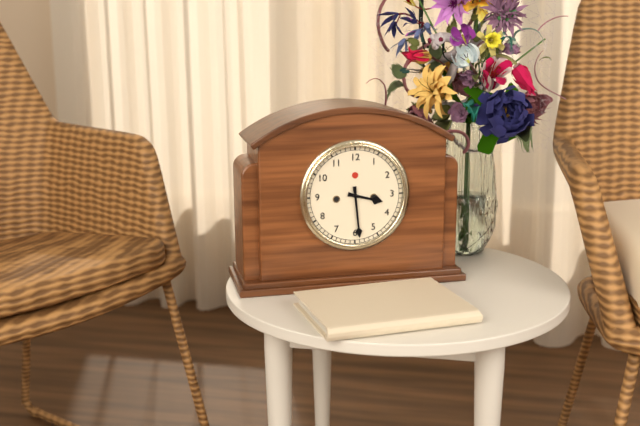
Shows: 3 h 29 min
